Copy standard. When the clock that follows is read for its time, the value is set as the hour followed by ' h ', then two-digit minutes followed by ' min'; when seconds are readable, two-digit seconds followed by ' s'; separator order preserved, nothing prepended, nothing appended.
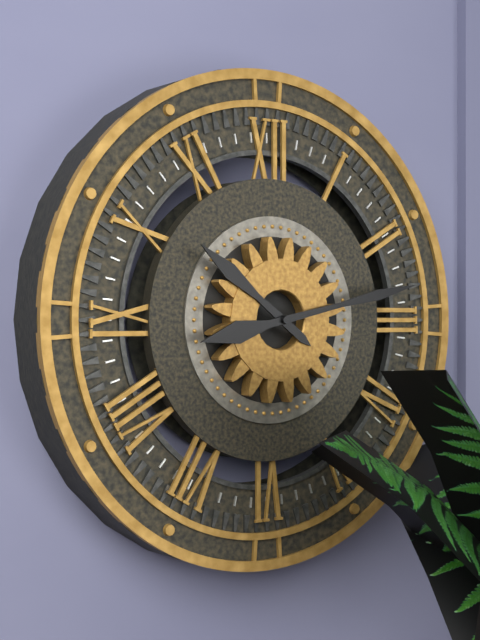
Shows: 10 h 13 min
